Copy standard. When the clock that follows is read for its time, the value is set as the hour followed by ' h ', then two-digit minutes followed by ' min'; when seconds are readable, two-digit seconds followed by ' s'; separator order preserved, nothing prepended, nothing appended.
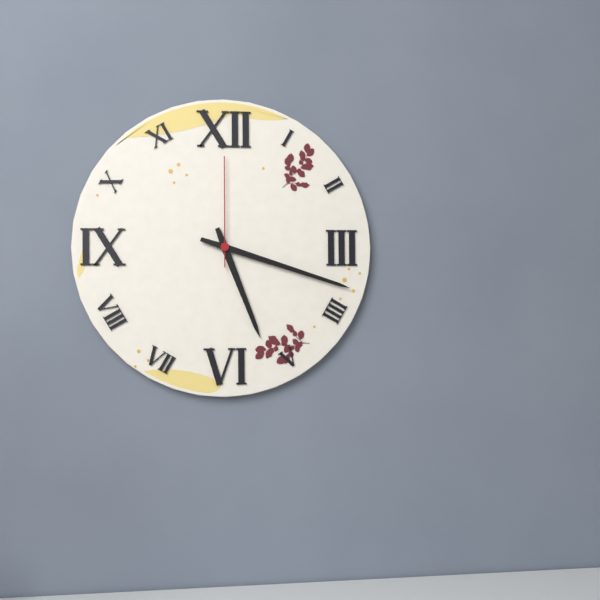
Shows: 5 h 18 min 00 s
